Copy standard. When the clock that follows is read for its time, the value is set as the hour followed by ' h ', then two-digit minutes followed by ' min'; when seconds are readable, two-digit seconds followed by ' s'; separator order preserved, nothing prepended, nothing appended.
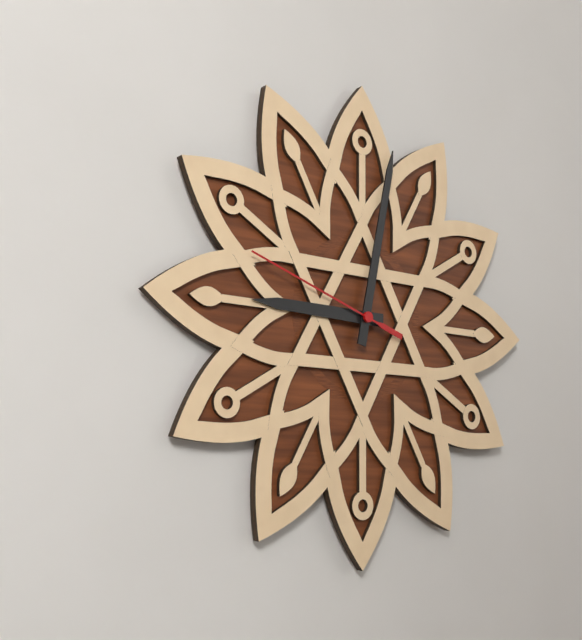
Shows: 9 h 02 min 48 s
